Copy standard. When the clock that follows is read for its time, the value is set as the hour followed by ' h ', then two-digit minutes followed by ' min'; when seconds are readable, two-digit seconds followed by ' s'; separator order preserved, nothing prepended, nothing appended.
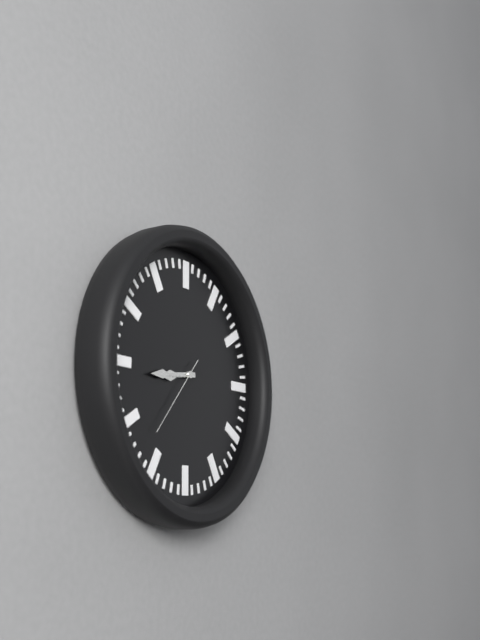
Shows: 8 h 44 min 37 s
